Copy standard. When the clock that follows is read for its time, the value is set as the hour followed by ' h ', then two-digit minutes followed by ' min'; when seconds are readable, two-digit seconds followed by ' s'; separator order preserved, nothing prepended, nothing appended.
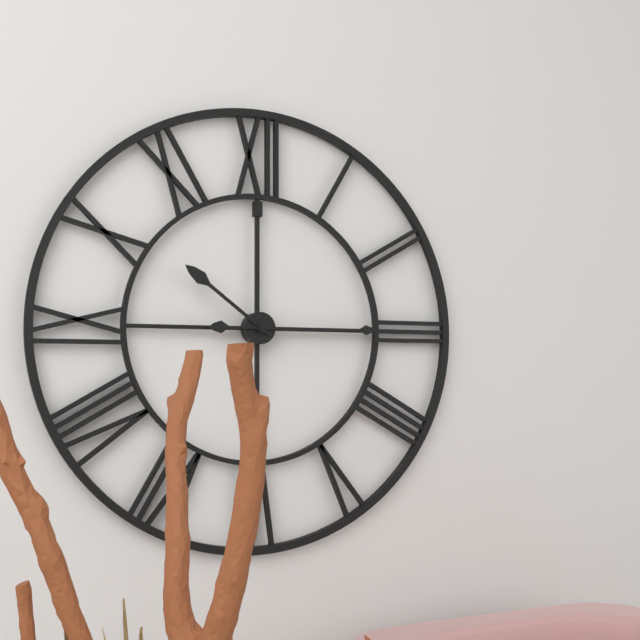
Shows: 10 h 15 min
